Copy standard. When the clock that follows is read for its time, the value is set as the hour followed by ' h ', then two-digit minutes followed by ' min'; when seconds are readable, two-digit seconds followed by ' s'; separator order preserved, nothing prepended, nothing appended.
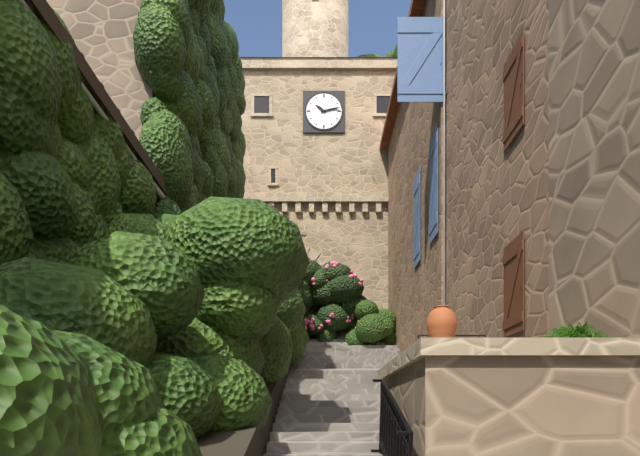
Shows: 10 h 13 min
